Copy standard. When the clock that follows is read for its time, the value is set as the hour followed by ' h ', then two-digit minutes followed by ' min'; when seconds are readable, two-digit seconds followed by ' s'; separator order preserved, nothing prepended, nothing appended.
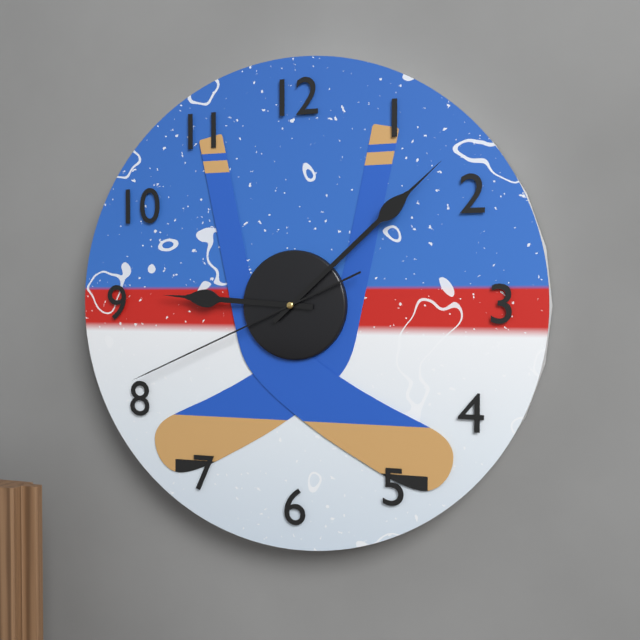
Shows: 9 h 08 min 41 s
